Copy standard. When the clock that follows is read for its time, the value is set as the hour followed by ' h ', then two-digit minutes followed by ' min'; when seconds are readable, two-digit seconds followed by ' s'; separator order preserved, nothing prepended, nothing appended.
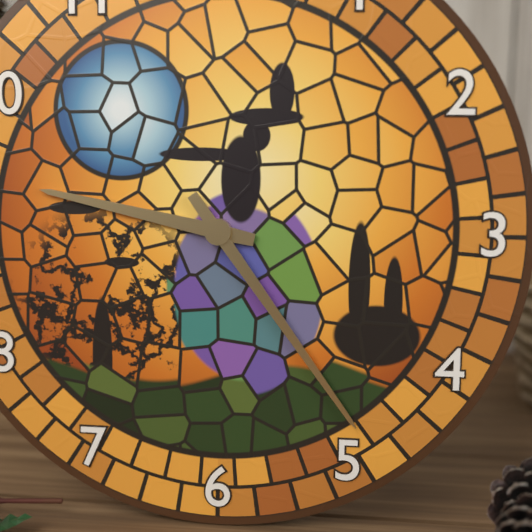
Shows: 9 h 24 min
